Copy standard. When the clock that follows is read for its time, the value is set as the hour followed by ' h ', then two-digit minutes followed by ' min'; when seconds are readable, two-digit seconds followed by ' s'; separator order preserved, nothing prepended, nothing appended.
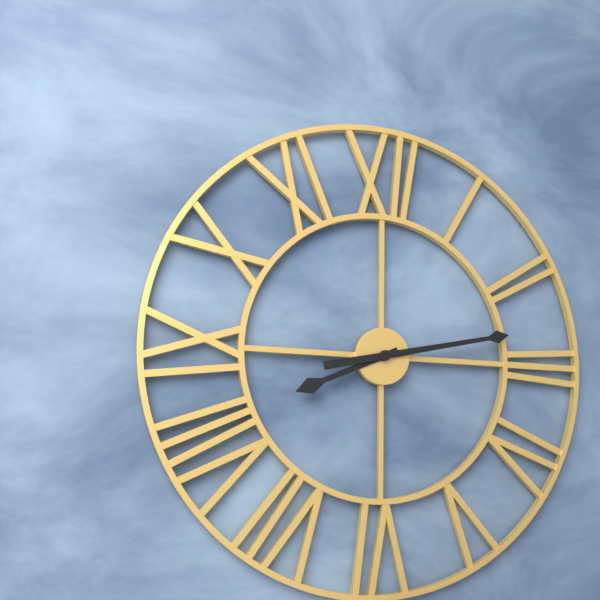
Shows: 8 h 13 min
